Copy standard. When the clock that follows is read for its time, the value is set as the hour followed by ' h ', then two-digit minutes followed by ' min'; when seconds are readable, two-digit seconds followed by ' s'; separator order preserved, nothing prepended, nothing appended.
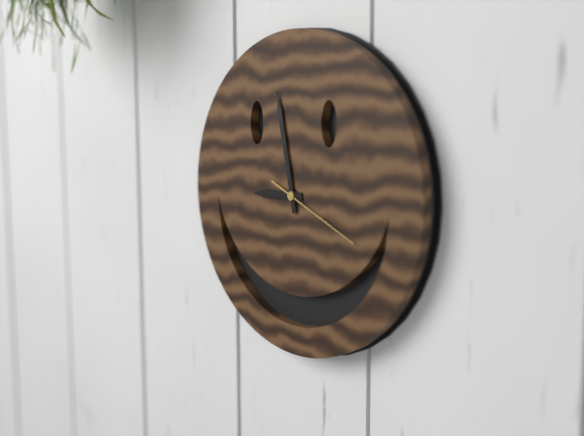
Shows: 8 h 58 min 19 s
